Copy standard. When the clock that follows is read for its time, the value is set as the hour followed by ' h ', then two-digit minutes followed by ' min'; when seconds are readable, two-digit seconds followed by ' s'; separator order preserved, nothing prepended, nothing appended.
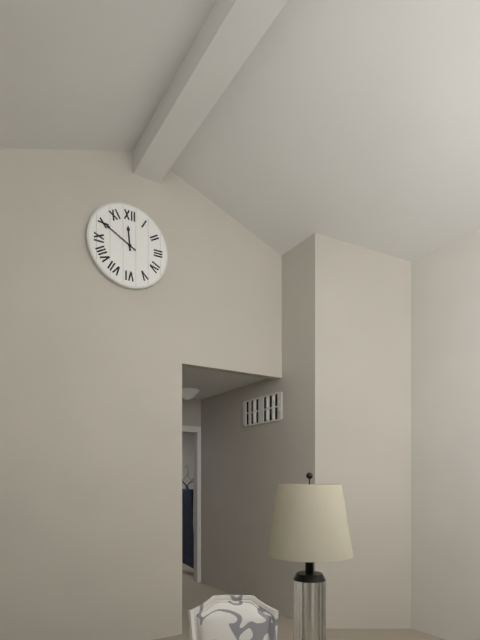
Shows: 11 h 50 min
